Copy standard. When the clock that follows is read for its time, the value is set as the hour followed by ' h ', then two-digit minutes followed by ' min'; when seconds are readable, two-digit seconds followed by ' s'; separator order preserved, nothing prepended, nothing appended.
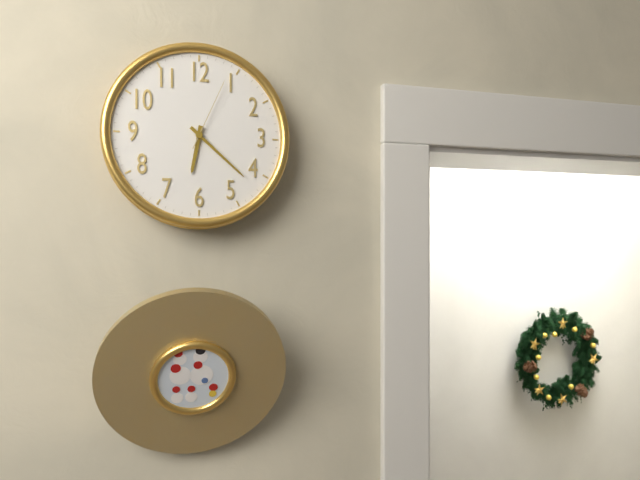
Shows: 6 h 22 min 04 s
